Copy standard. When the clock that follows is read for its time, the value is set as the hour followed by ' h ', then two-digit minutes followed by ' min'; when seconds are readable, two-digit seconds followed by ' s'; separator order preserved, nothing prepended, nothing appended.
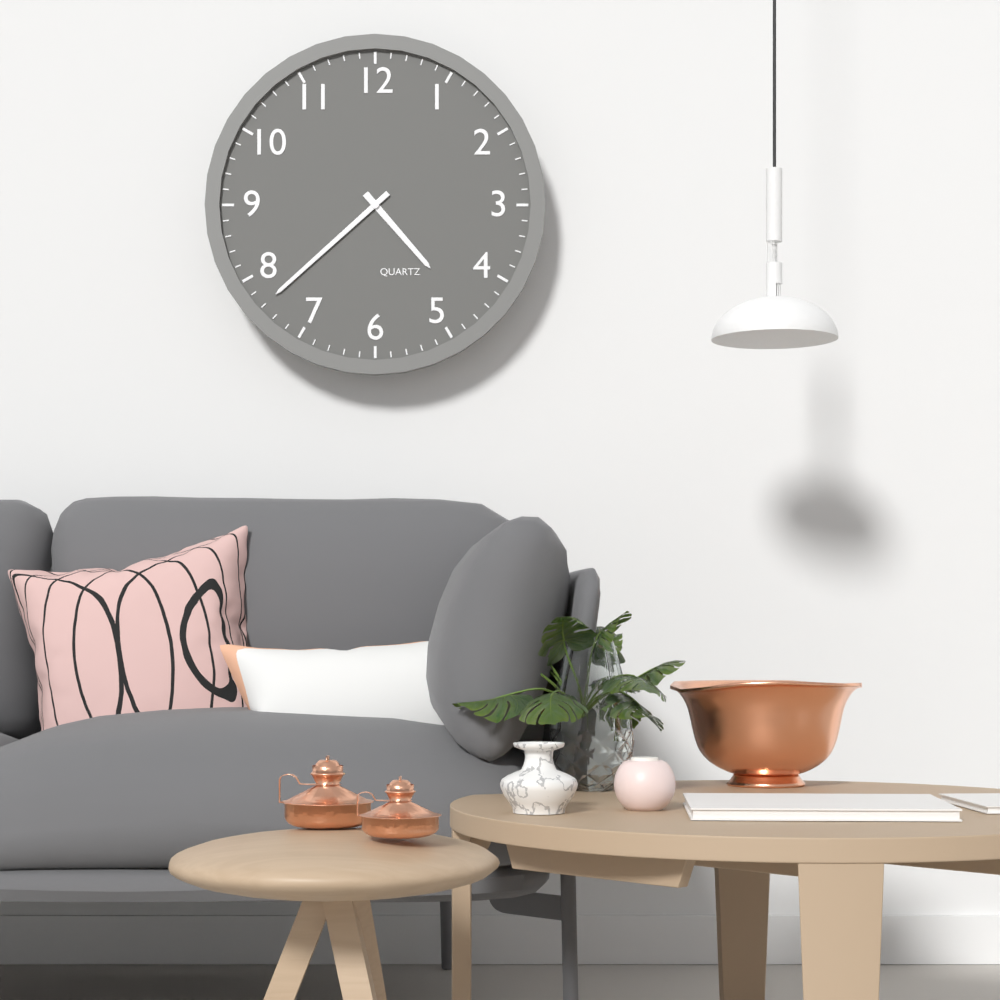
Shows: 4 h 38 min
